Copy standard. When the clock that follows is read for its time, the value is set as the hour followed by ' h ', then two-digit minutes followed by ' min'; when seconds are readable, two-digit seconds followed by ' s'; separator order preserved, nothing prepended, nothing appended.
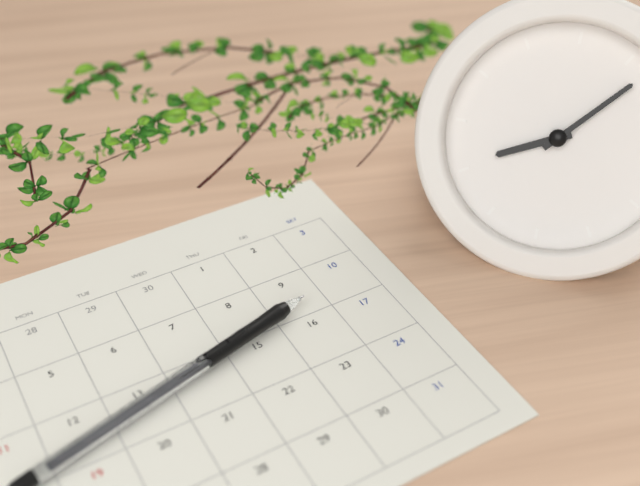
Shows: 8 h 07 min
